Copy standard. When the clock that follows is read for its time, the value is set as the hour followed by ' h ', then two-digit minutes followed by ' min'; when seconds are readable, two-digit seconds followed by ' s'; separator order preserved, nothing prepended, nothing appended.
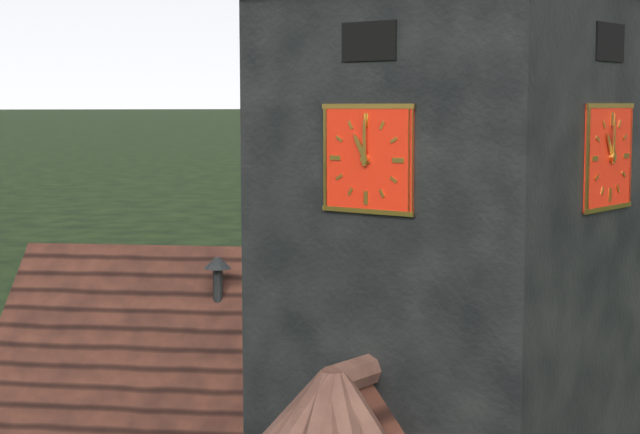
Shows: 11 h 00 min
